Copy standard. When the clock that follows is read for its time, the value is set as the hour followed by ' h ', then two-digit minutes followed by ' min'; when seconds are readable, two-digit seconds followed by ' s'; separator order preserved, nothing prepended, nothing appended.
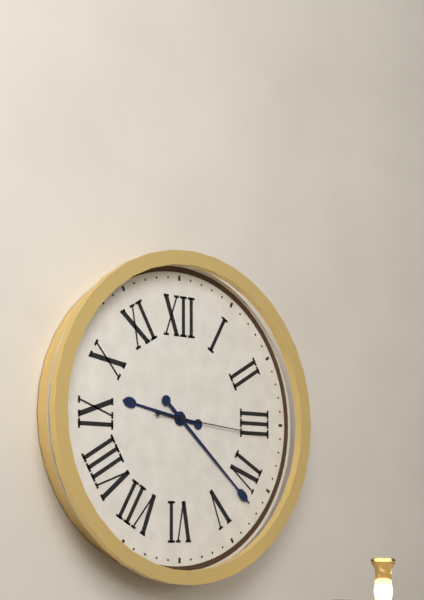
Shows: 9 h 22 min 16 s
